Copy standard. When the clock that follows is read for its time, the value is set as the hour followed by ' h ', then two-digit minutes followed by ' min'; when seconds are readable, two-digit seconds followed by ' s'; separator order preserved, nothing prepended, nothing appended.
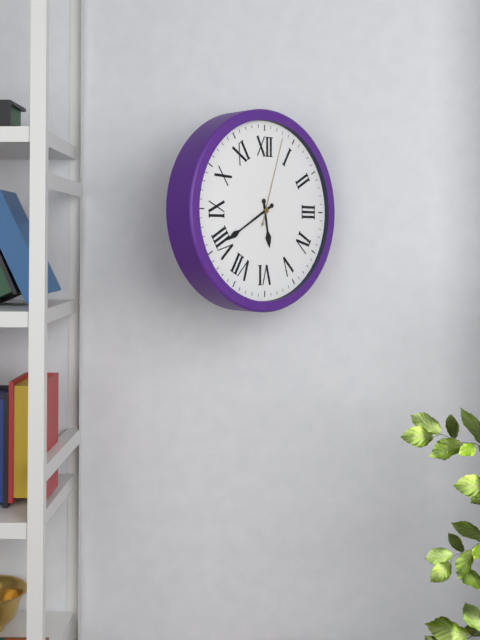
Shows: 5 h 40 min 03 s
